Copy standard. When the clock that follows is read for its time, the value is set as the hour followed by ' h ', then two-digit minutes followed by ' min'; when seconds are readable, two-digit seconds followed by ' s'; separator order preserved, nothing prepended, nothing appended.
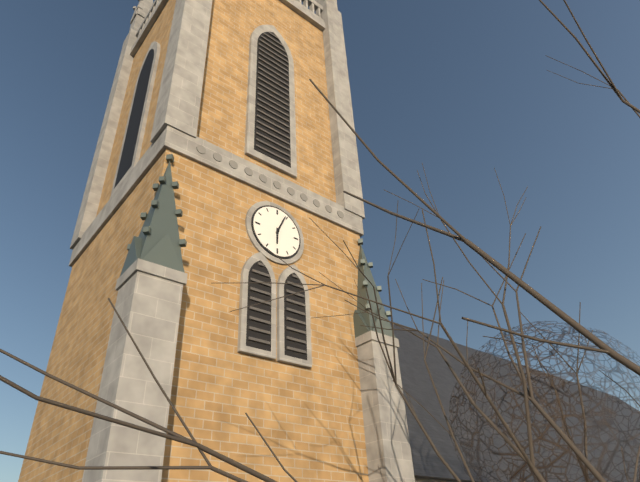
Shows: 6 h 04 min
